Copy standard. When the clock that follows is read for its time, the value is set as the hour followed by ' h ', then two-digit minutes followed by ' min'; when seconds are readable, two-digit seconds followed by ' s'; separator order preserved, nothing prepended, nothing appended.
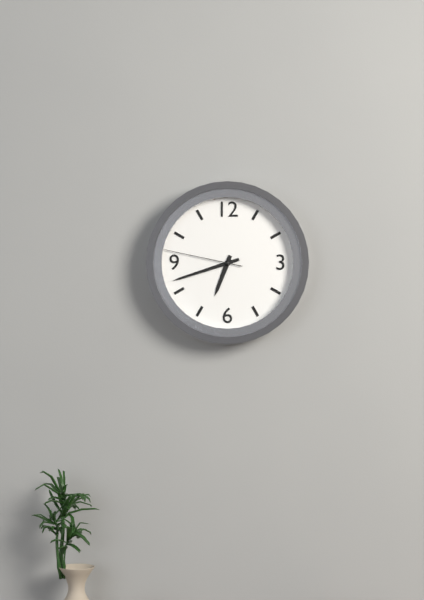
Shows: 6 h 42 min 47 s
